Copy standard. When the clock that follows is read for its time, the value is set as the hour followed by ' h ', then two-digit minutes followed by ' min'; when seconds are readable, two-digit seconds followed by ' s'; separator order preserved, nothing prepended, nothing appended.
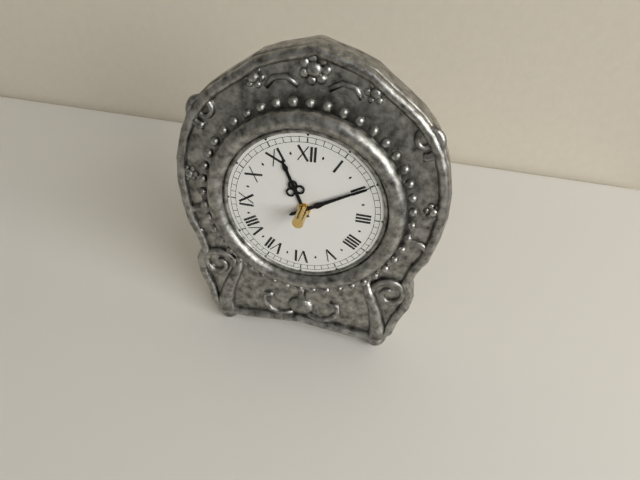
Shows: 11 h 10 min
